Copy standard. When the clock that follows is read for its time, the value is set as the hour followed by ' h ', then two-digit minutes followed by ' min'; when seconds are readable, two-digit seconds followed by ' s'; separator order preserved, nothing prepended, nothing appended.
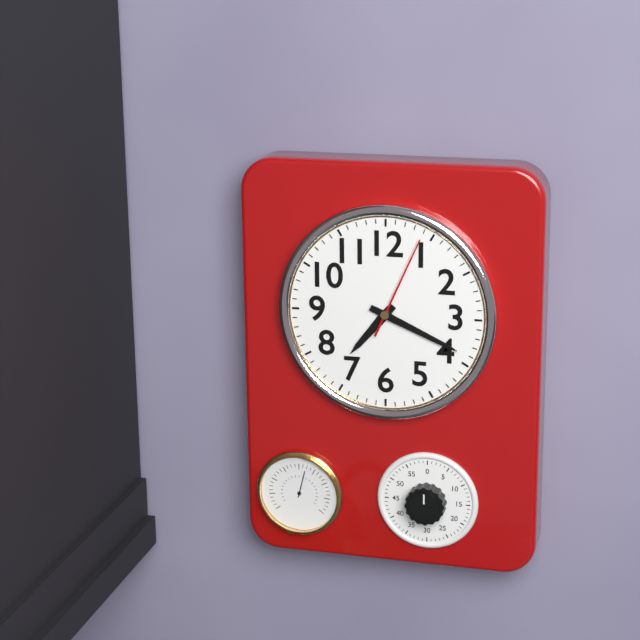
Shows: 7 h 19 min 04 s
